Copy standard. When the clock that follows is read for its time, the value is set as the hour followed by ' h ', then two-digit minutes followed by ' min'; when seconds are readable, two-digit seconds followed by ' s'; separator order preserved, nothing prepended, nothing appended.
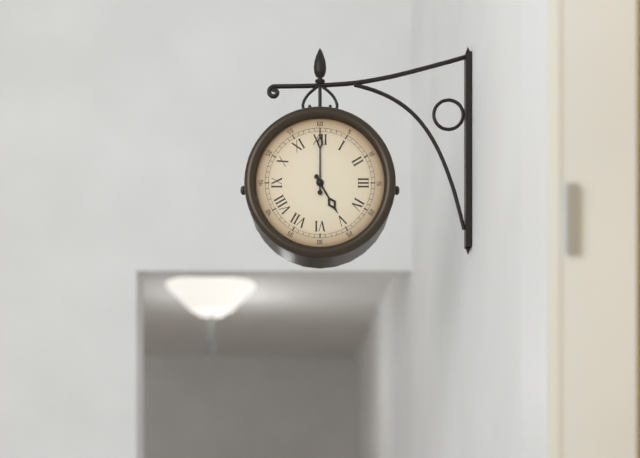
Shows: 5 h 00 min
